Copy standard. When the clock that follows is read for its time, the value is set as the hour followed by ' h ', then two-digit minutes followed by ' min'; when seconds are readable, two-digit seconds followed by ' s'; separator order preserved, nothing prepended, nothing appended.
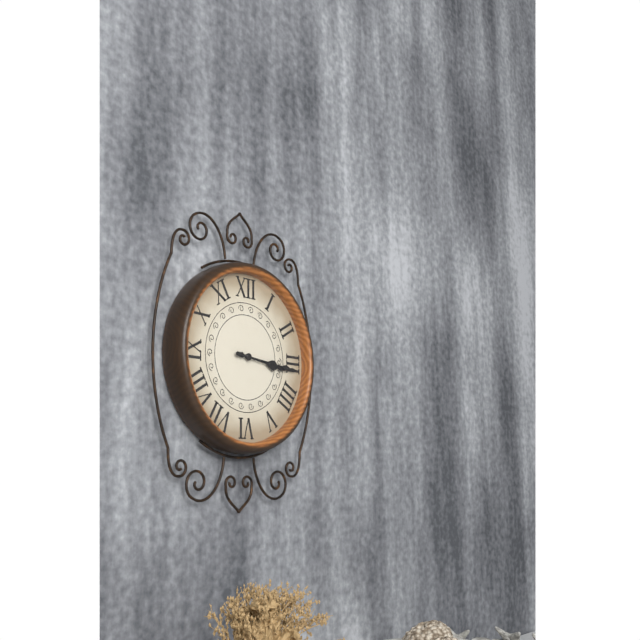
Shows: 3 h 16 min
